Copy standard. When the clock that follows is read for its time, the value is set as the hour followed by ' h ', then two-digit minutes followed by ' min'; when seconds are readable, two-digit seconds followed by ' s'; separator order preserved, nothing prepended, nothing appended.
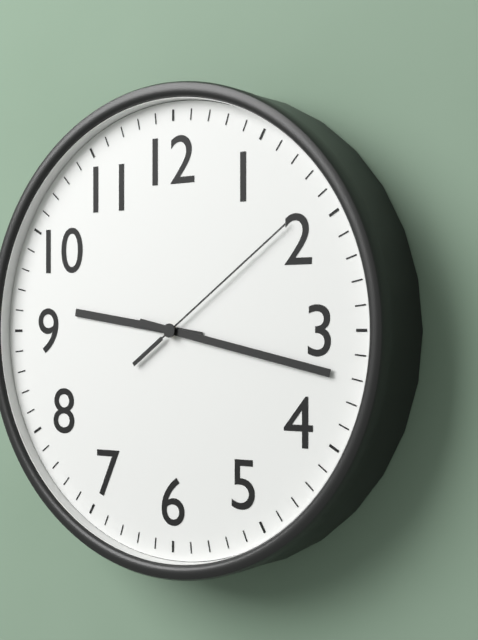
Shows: 9 h 17 min 09 s
